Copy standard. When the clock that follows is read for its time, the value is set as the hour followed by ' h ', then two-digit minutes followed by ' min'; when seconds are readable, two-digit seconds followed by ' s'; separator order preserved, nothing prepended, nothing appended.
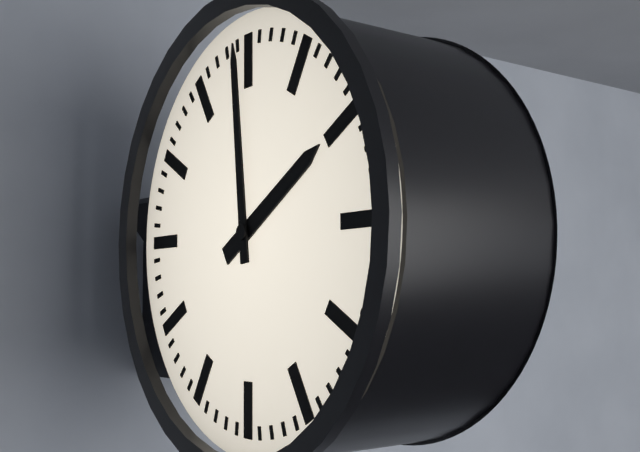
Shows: 1 h 59 min
